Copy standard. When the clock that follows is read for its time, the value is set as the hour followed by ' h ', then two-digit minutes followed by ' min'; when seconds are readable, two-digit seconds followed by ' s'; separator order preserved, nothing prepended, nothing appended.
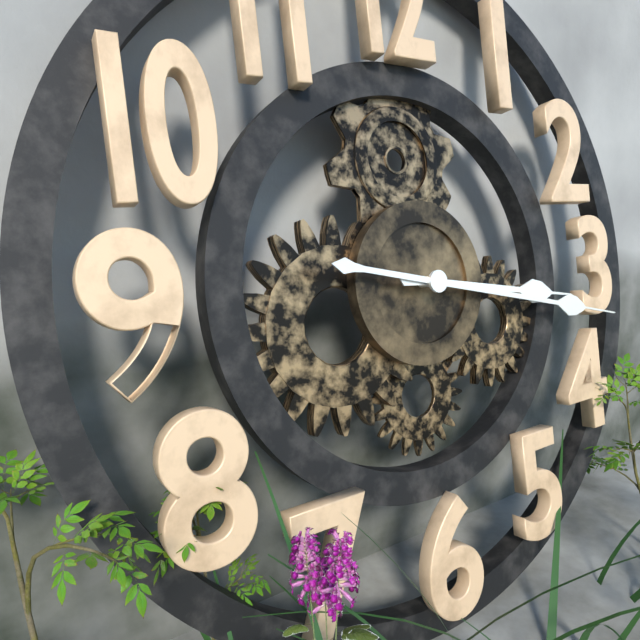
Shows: 3 h 17 min
